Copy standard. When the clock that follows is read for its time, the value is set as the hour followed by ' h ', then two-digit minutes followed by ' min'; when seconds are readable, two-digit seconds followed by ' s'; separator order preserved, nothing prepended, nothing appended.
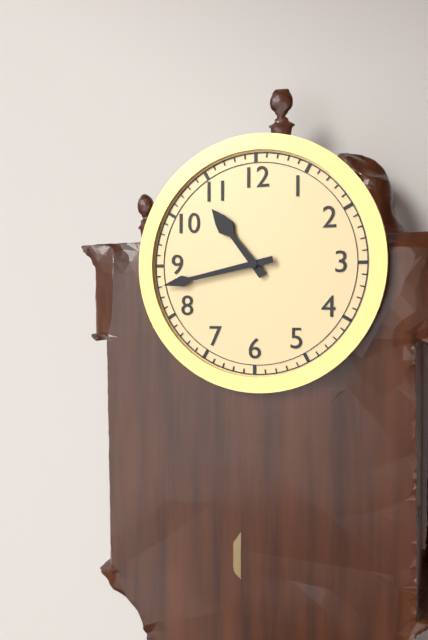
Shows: 10 h 43 min
